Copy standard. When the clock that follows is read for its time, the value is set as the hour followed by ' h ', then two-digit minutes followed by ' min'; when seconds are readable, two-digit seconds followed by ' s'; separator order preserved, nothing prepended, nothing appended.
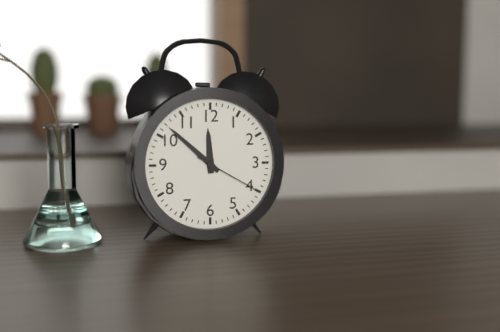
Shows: 11 h 52 min 20 s
